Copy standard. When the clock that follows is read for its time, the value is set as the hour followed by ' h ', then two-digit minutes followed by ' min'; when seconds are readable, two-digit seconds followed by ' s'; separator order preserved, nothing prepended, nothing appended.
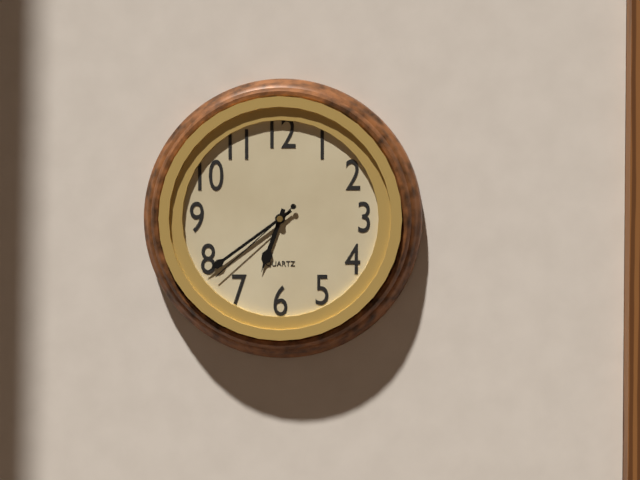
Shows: 6 h 39 min 38 s
